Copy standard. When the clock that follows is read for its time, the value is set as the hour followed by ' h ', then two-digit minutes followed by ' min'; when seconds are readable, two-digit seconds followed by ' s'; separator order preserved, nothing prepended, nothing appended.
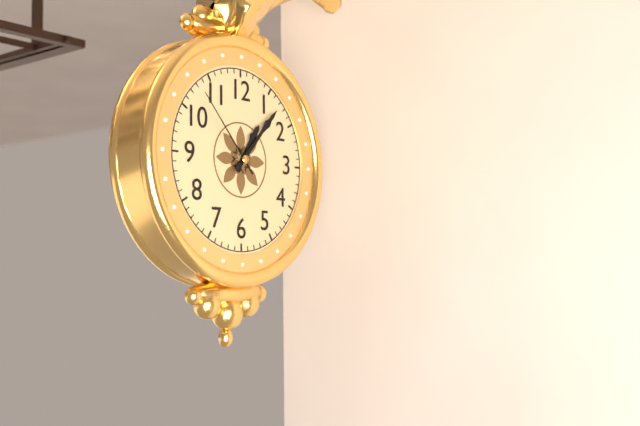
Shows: 1 h 07 min 53 s
